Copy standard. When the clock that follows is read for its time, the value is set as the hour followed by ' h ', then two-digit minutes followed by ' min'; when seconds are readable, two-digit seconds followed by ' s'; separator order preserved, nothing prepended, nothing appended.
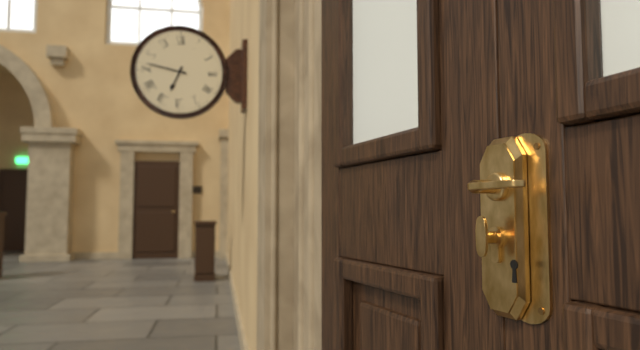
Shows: 6 h 47 min
